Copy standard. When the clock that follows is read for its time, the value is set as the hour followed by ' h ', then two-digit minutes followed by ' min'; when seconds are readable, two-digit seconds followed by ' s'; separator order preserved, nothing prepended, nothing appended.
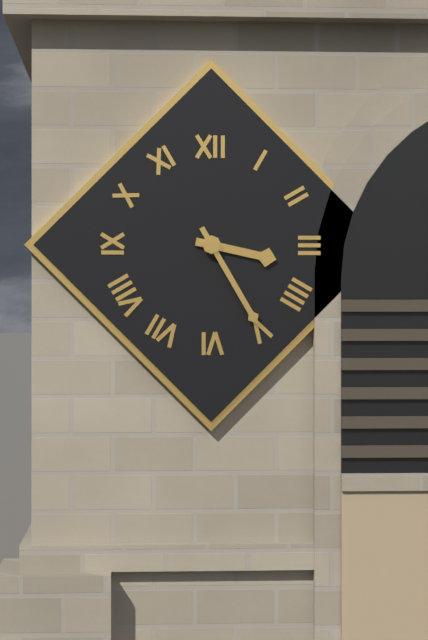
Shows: 3 h 25 min
